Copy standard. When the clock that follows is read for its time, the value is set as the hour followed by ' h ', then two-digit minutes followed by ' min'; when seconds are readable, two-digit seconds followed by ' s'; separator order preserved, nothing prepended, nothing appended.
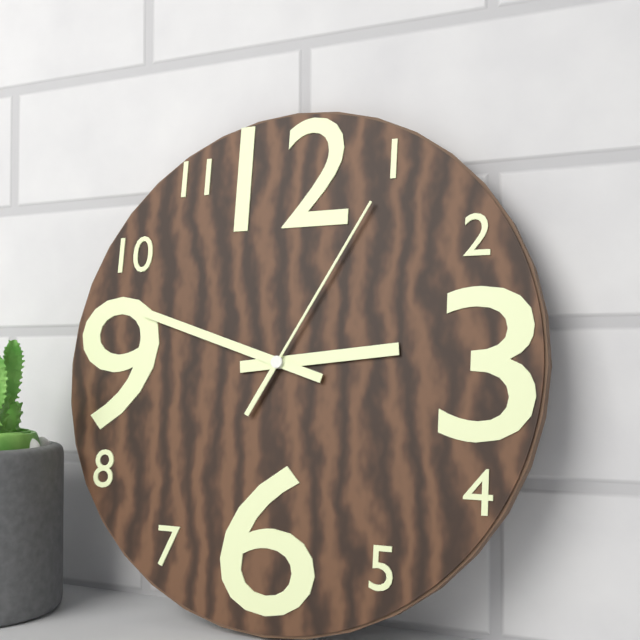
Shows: 2 h 48 min 05 s
